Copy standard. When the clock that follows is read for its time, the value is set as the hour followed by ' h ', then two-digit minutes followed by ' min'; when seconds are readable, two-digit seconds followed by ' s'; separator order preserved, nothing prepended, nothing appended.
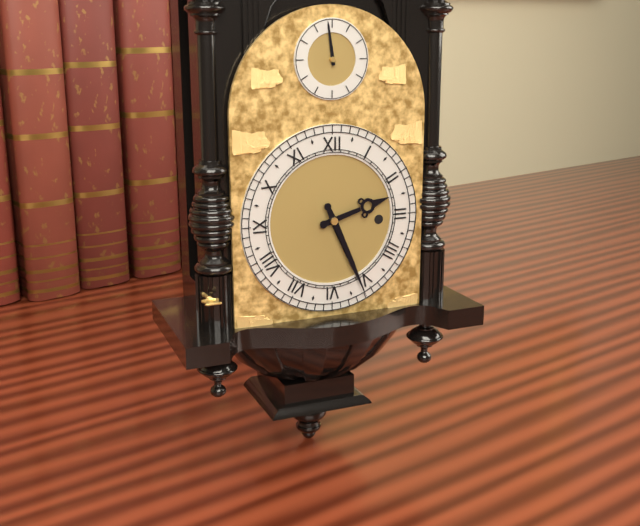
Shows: 2 h 26 min
